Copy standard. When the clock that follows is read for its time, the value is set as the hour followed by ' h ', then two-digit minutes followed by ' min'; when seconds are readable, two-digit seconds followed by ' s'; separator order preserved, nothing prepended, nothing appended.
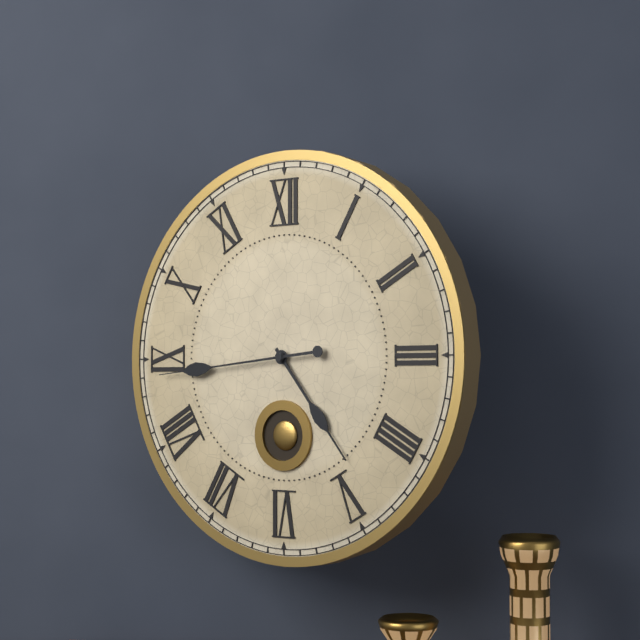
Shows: 4 h 44 min
